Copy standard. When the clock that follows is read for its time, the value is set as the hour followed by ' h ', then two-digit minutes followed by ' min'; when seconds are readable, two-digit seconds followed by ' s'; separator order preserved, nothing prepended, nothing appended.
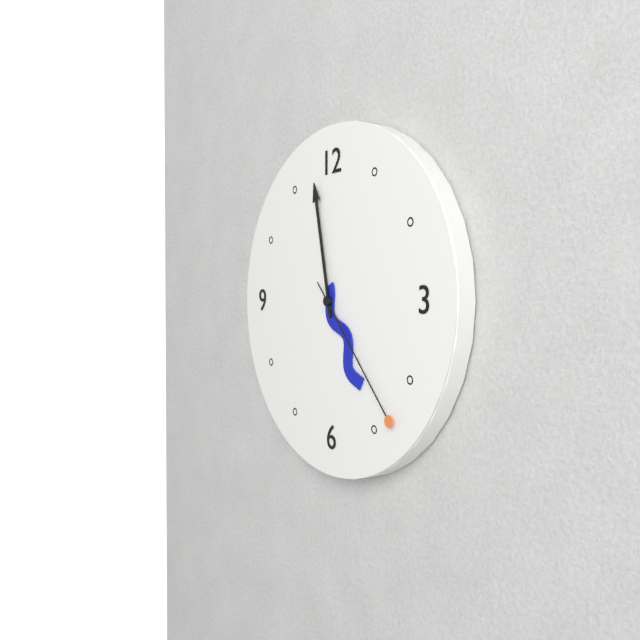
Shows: 4 h 58 min 23 s
